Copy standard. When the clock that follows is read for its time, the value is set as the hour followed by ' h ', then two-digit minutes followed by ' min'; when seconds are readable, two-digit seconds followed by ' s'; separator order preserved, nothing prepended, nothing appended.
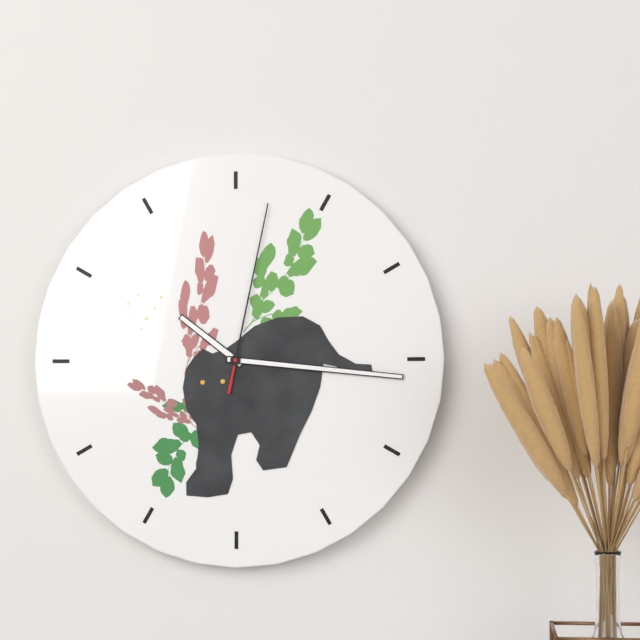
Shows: 10 h 16 min 02 s
